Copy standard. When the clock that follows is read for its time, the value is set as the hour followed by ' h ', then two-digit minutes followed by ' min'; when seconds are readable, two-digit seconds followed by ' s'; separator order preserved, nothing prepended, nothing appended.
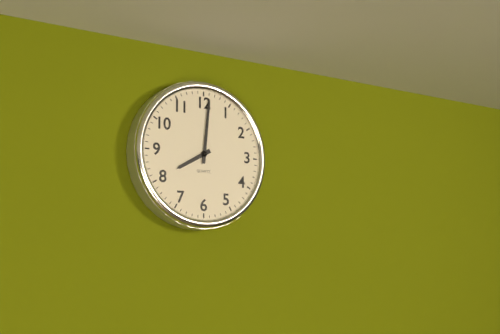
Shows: 8 h 01 min
